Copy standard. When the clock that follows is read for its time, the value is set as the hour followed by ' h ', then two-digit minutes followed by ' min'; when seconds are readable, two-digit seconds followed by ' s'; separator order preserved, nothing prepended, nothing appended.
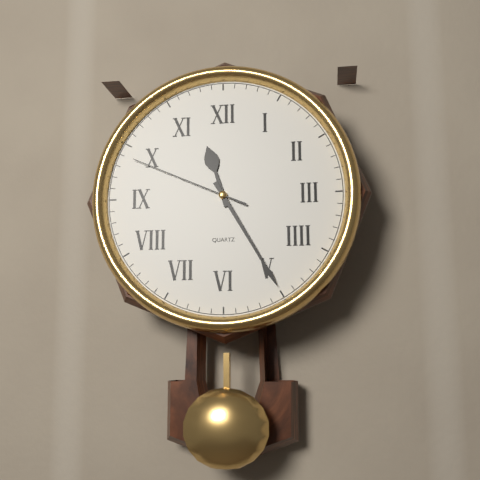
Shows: 11 h 25 min 49 s
